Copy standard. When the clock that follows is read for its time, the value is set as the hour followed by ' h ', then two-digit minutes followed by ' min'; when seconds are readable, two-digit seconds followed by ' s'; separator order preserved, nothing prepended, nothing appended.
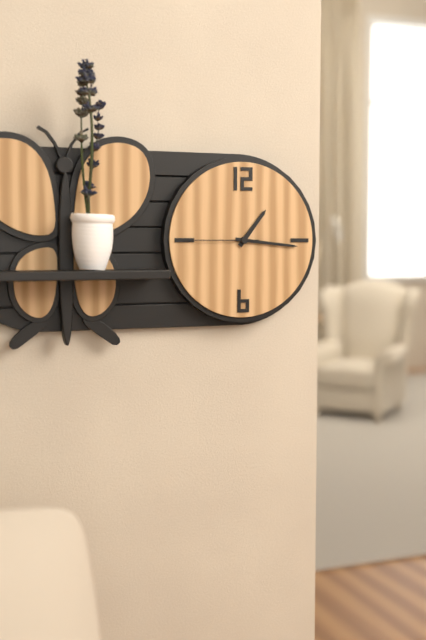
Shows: 1 h 16 min 45 s
